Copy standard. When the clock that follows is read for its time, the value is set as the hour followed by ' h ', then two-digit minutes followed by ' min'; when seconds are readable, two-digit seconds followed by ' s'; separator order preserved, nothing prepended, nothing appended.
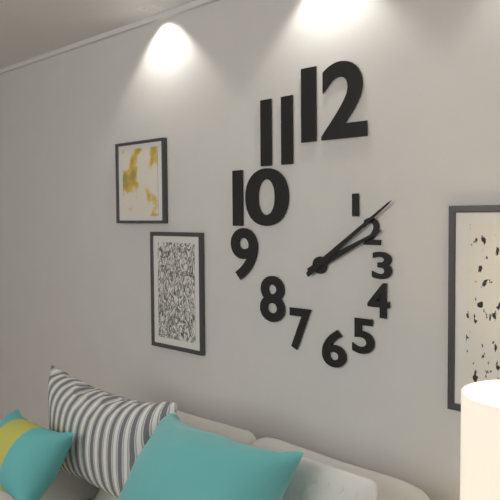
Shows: 2 h 09 min
